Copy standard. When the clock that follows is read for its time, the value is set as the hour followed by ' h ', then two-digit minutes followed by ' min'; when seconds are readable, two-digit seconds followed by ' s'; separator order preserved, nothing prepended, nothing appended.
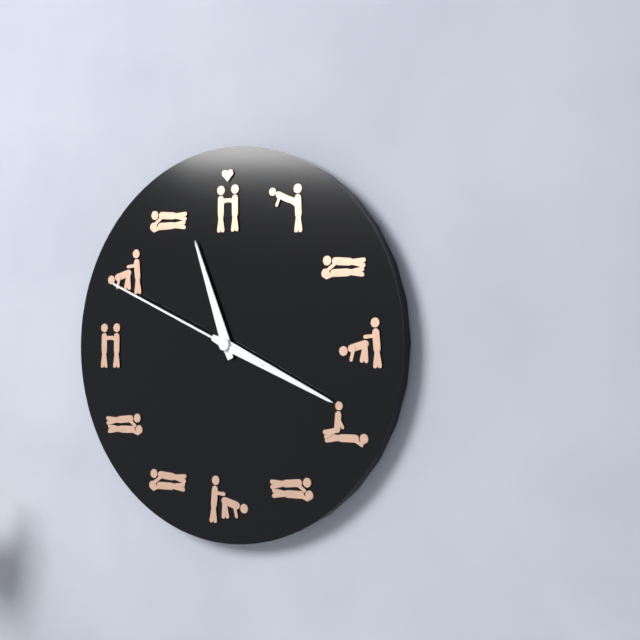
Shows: 11 h 19 min 49 s
